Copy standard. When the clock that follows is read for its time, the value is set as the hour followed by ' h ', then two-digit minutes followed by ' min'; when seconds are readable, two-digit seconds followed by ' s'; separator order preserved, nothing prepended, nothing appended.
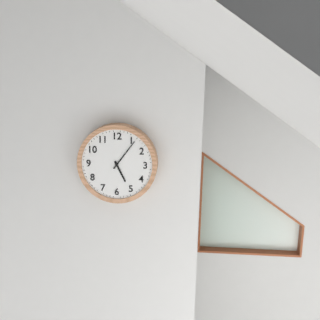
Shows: 5 h 06 min
